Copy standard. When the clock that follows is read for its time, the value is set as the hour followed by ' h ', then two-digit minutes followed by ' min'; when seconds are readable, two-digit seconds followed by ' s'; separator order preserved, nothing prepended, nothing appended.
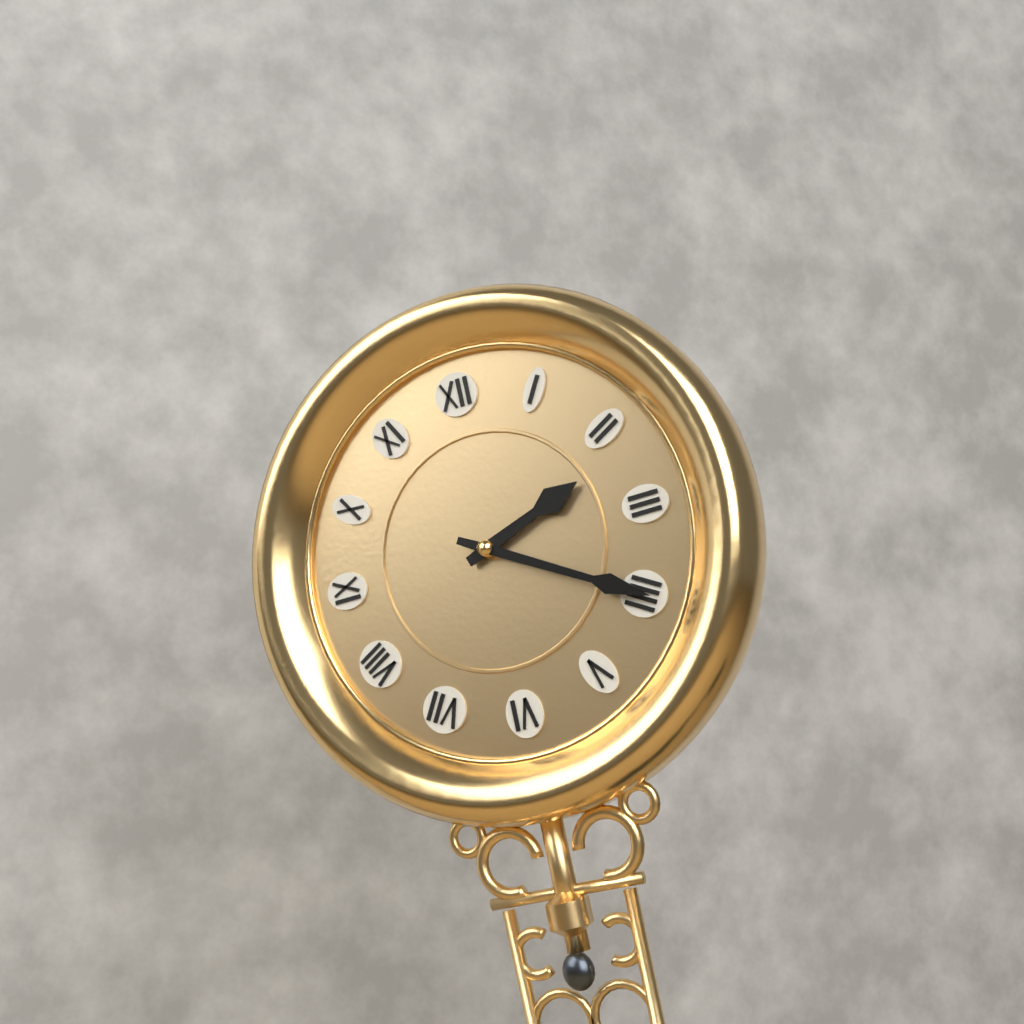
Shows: 2 h 20 min
